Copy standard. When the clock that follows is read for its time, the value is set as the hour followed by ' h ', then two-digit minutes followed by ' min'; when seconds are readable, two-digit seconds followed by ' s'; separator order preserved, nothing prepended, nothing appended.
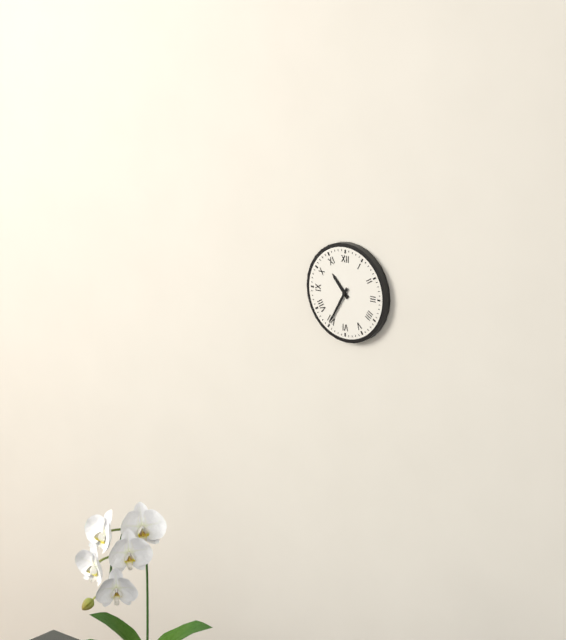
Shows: 10 h 35 min
